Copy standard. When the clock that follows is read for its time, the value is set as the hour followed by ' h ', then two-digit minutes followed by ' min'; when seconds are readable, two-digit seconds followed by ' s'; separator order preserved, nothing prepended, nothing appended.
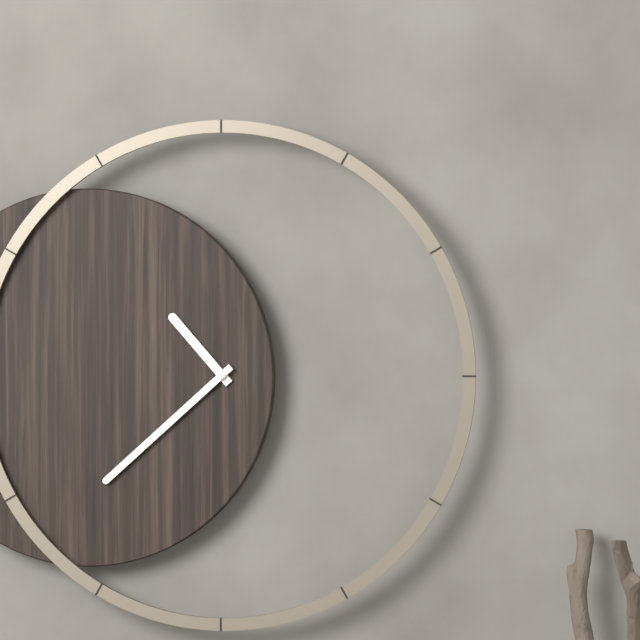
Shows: 10 h 38 min
